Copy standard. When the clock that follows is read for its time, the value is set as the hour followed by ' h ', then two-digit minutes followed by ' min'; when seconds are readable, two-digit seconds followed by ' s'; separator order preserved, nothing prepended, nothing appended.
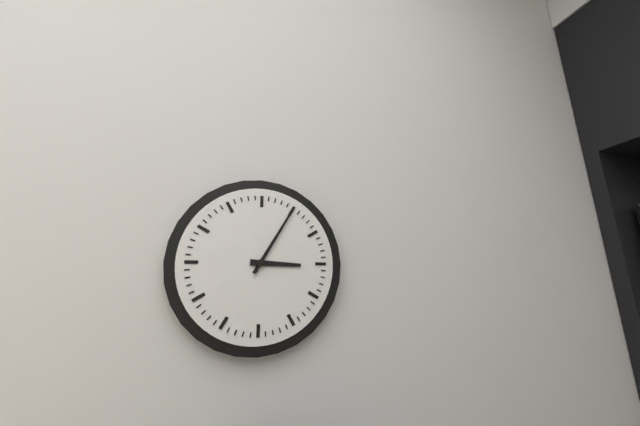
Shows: 3 h 05 min
